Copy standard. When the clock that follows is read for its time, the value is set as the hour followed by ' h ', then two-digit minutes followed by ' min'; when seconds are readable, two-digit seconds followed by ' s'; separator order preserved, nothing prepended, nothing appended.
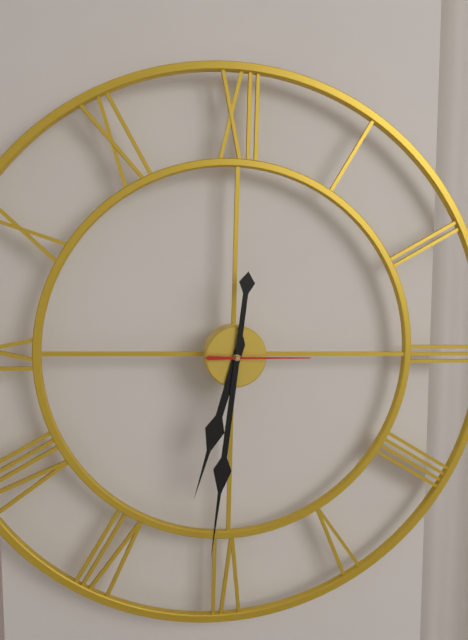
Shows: 6 h 31 min 15 s
